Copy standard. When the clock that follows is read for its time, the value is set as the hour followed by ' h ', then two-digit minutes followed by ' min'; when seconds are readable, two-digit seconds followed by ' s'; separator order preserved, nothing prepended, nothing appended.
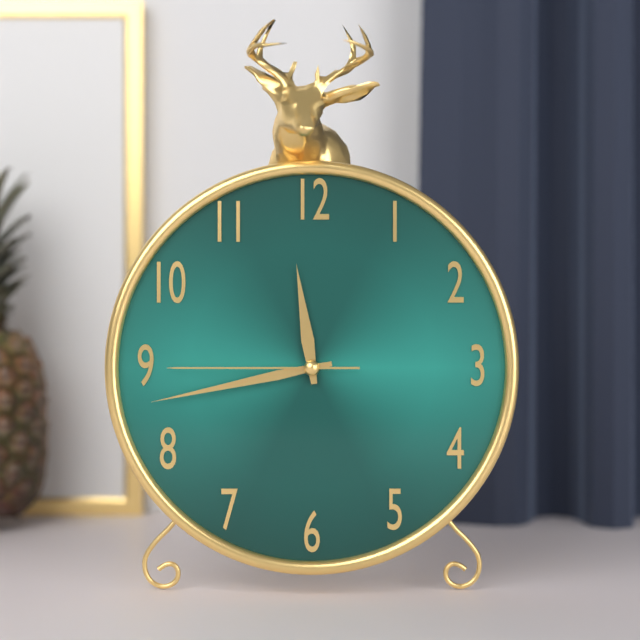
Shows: 11 h 43 min 45 s
